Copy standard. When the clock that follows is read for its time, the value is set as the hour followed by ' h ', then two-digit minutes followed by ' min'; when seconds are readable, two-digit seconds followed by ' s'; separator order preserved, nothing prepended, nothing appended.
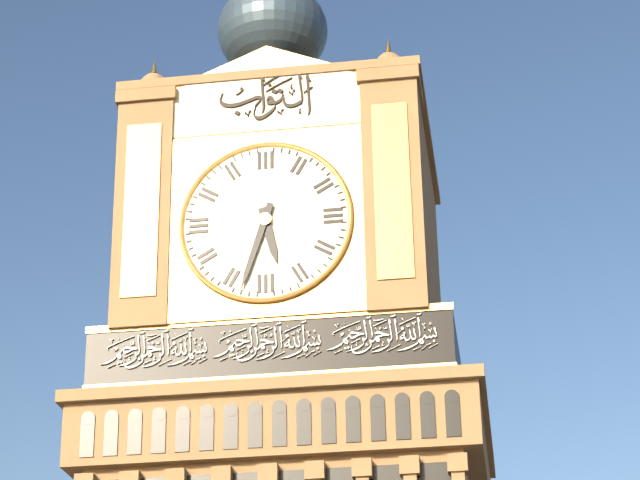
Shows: 5 h 33 min
